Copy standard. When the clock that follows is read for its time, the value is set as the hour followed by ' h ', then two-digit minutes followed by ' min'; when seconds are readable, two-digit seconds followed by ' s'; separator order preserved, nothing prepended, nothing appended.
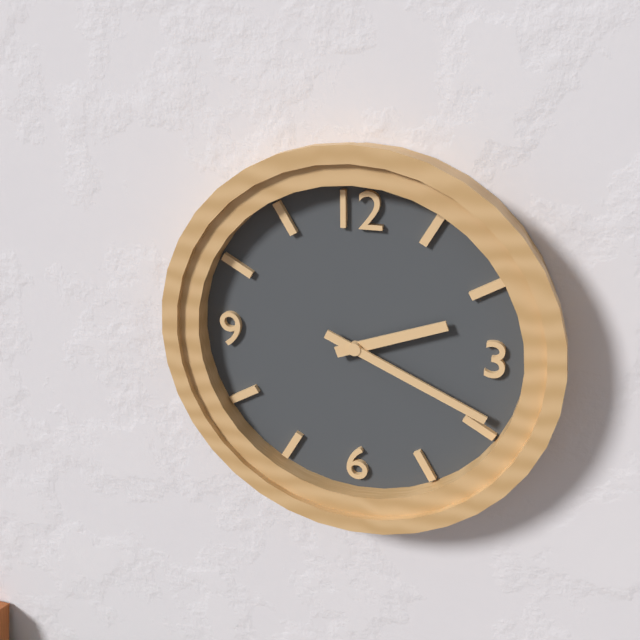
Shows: 2 h 19 min
